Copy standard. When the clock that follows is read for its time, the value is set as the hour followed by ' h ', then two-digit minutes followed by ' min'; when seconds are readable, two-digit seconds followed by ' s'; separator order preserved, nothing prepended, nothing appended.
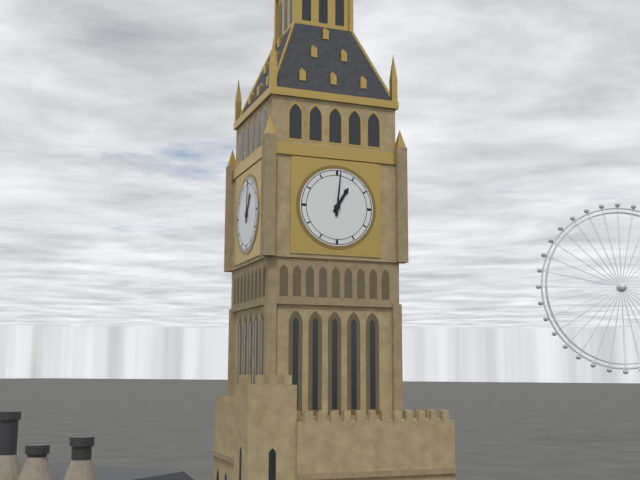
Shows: 1 h 01 min
